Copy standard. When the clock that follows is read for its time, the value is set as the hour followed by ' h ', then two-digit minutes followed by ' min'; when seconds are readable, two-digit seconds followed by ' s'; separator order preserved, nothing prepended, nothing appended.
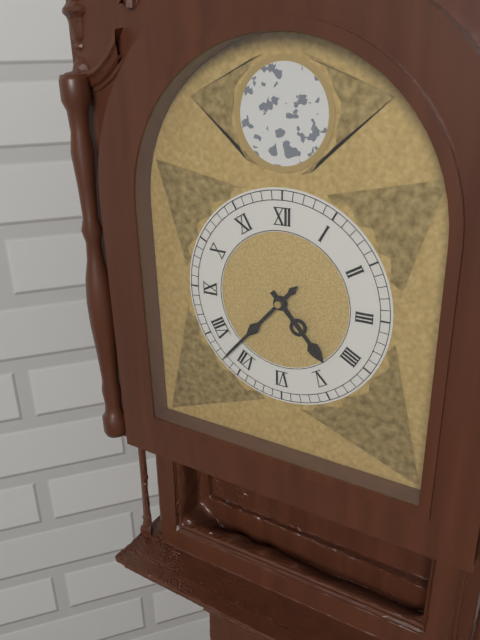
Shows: 4 h 37 min
